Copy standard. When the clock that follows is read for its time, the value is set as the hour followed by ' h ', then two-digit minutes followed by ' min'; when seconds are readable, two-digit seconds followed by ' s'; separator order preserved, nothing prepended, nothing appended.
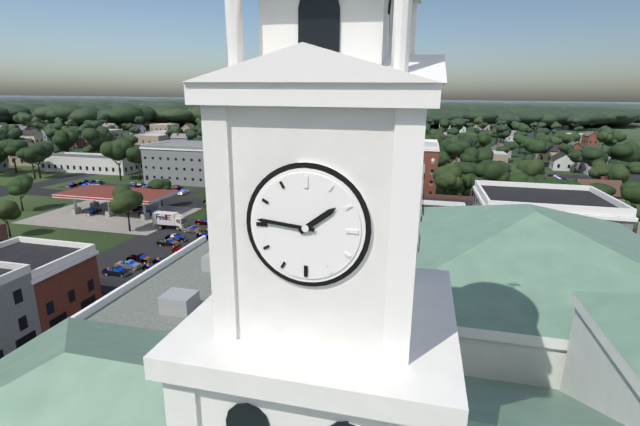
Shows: 1 h 46 min
